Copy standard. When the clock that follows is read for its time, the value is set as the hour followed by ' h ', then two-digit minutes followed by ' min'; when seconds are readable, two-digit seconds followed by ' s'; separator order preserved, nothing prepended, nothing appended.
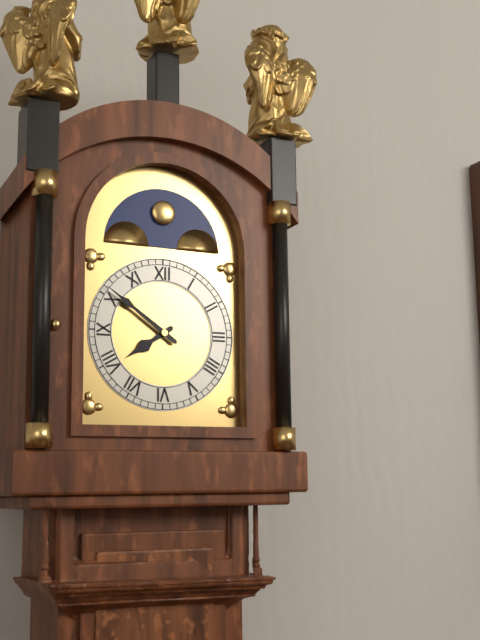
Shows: 7 h 51 min
